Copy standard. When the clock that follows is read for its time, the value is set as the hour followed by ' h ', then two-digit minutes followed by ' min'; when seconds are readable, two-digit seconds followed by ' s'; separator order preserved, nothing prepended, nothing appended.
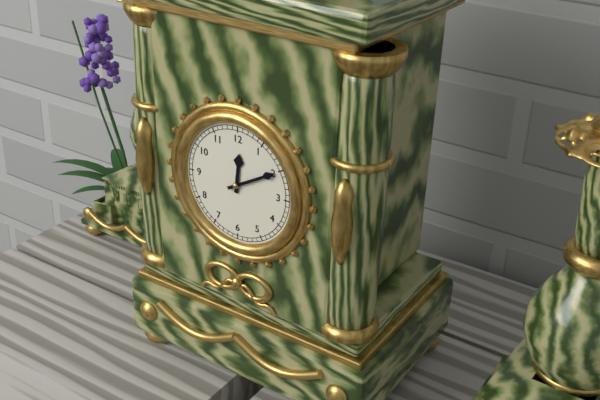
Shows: 12 h 10 min
